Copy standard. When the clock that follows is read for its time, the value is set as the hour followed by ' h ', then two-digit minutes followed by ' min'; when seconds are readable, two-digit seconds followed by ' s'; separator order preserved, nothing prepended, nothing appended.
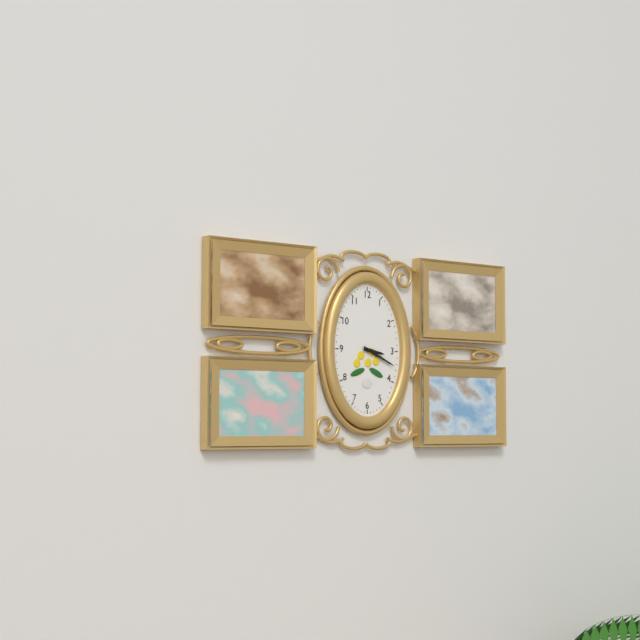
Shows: 3 h 19 min
